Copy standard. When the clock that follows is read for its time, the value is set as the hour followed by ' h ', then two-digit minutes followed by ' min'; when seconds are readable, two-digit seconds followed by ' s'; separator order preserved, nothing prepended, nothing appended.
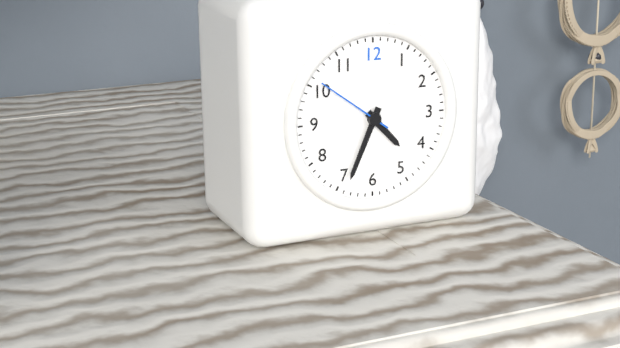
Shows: 4 h 34 min 51 s
